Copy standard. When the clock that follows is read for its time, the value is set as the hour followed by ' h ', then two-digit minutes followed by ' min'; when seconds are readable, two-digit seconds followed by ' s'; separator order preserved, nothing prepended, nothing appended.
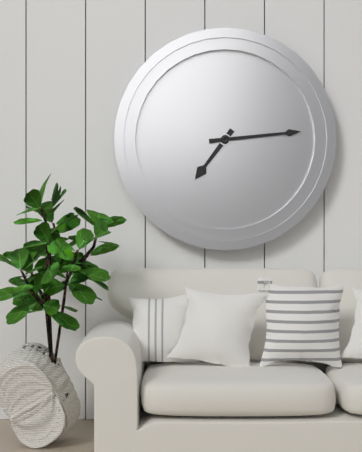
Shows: 7 h 14 min
